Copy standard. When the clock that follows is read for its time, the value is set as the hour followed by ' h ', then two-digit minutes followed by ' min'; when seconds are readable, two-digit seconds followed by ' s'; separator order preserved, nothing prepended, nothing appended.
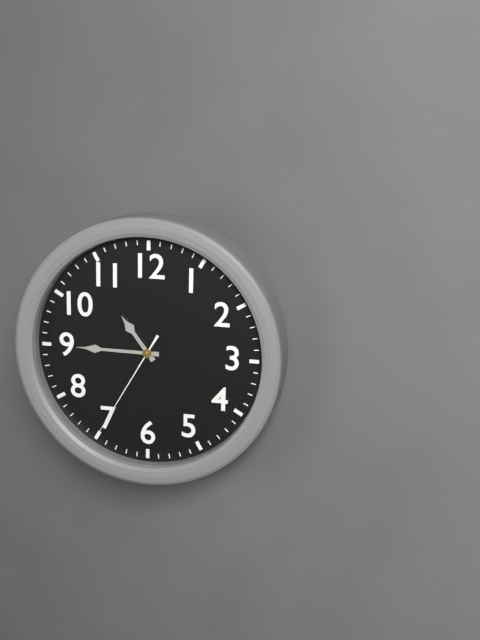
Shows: 10 h 45 min 35 s
